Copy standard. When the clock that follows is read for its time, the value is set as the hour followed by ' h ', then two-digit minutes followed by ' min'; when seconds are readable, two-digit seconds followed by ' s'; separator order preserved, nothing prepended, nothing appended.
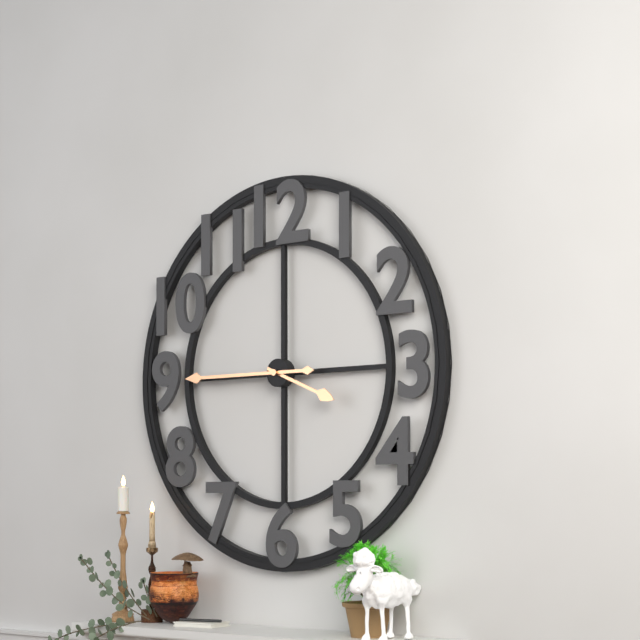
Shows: 3 h 45 min
